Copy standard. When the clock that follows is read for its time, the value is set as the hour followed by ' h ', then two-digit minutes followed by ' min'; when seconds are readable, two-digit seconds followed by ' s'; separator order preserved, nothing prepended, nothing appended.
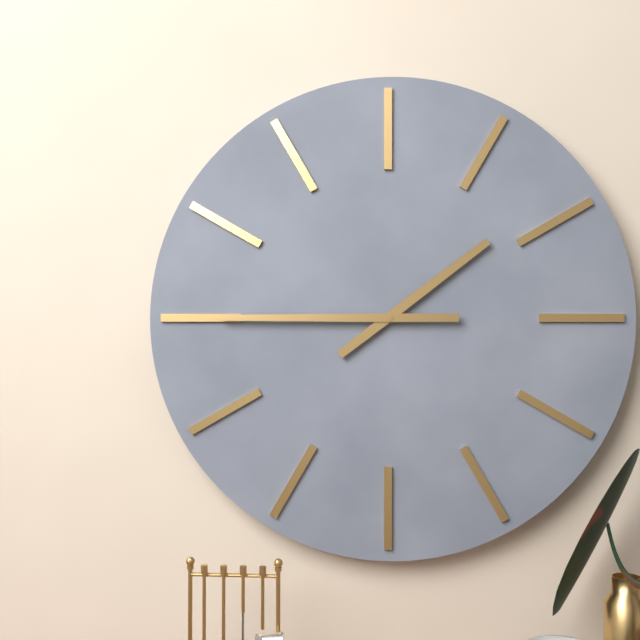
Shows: 1 h 45 min
